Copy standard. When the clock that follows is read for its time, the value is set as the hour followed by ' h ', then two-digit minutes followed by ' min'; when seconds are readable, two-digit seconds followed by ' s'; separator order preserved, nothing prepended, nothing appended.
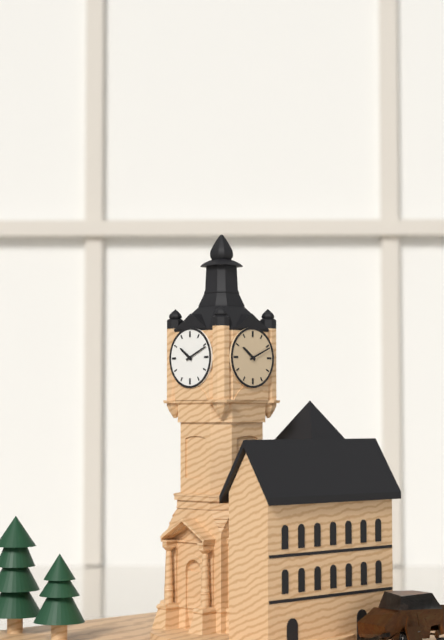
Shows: 10 h 11 min
